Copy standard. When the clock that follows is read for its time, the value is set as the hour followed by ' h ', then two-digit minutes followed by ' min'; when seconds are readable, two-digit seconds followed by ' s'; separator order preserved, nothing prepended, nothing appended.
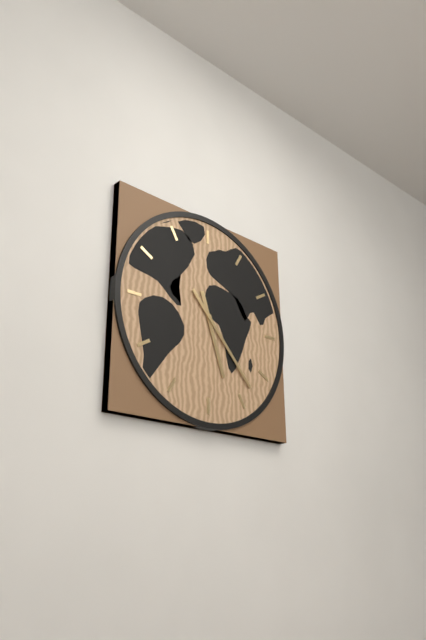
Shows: 5 h 23 min
